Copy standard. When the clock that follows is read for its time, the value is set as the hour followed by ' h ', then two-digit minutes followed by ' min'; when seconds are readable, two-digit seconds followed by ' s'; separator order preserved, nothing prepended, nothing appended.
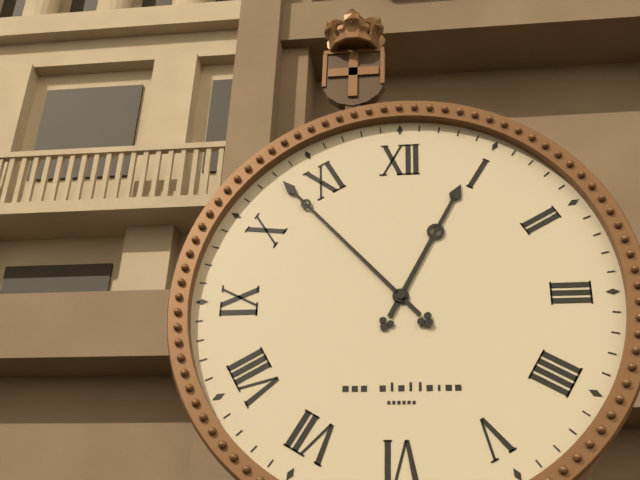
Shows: 12 h 53 min
